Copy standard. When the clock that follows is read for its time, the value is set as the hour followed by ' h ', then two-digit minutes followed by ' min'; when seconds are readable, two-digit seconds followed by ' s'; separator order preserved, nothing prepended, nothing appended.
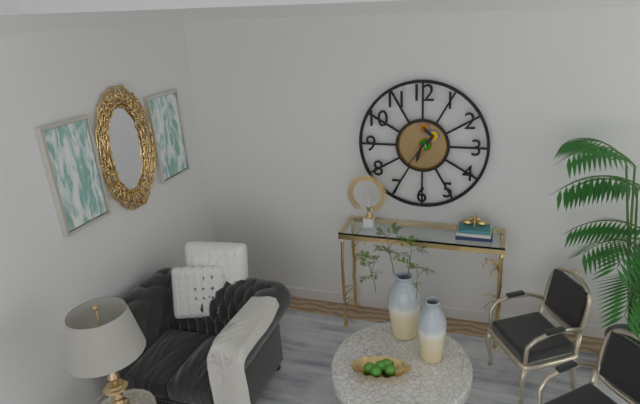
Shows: 6 h 36 min
